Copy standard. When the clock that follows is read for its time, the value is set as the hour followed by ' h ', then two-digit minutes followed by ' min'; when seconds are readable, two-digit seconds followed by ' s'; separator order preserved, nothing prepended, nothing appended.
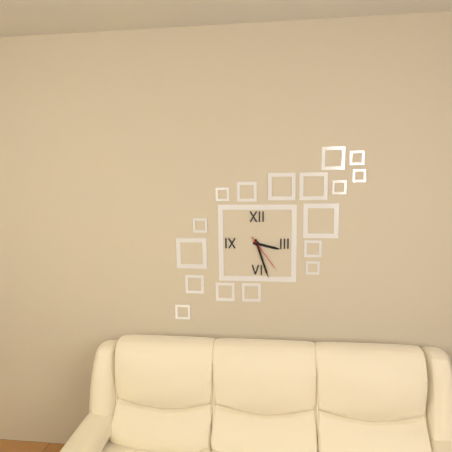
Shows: 3 h 27 min
